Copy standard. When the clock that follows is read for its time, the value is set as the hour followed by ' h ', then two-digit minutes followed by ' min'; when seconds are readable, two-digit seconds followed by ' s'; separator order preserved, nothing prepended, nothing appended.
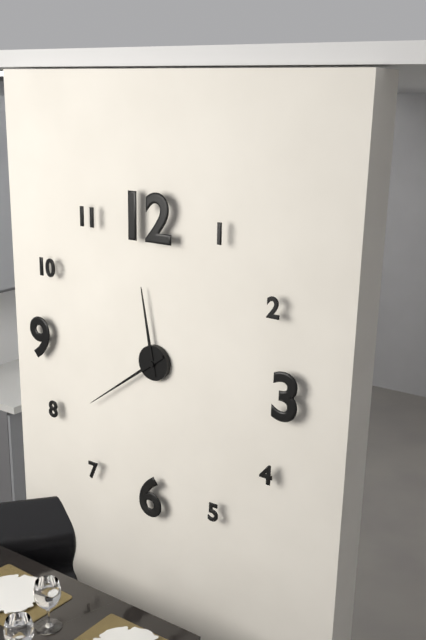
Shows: 11 h 39 min
